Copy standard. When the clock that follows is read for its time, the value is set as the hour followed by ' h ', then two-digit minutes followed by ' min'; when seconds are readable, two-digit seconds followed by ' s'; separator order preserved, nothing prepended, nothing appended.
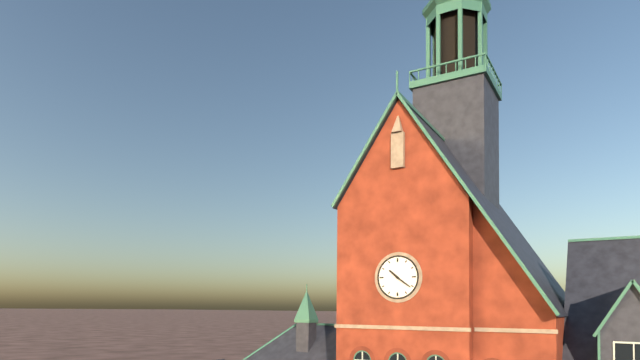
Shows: 10 h 21 min
